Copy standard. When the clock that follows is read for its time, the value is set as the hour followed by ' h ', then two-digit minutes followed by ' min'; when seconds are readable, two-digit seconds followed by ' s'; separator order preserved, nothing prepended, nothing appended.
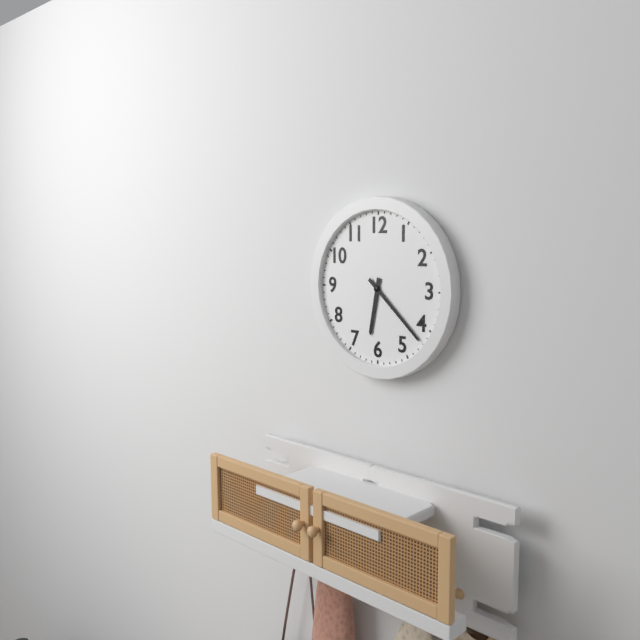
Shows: 6 h 22 min
